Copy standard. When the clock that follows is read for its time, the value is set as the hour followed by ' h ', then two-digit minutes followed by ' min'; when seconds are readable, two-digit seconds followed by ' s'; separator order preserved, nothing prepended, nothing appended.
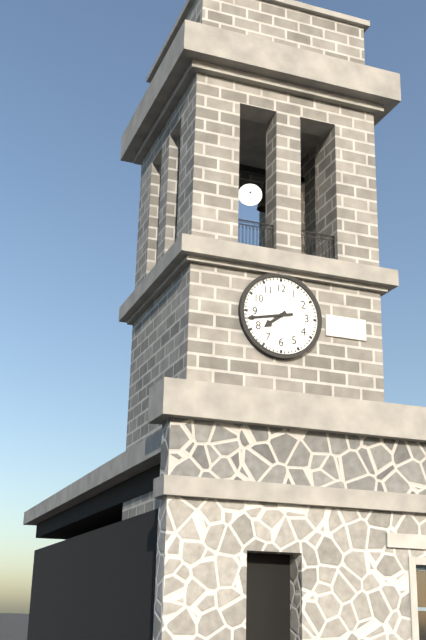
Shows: 7 h 43 min
